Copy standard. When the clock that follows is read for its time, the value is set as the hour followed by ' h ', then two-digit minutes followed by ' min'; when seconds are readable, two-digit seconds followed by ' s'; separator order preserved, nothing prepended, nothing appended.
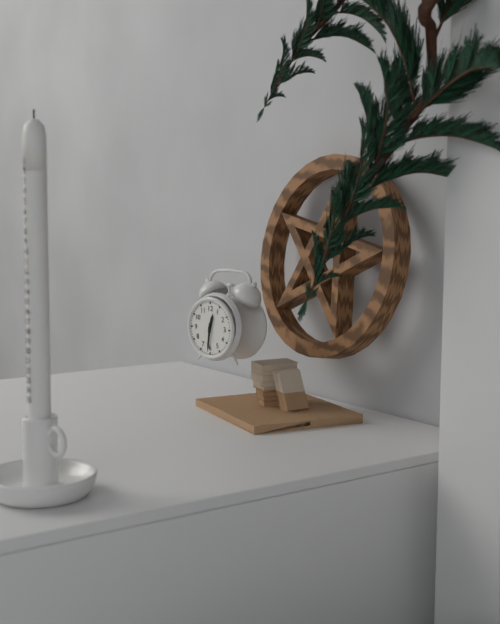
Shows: 12 h 31 min
